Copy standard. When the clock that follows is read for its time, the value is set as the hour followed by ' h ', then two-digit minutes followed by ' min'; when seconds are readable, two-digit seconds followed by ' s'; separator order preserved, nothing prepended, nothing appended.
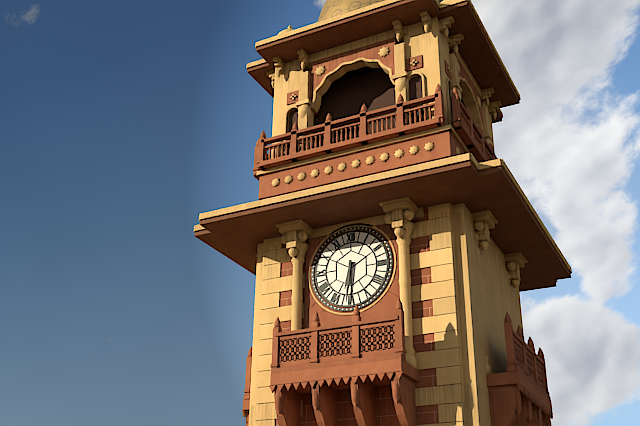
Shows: 6 h 31 min
